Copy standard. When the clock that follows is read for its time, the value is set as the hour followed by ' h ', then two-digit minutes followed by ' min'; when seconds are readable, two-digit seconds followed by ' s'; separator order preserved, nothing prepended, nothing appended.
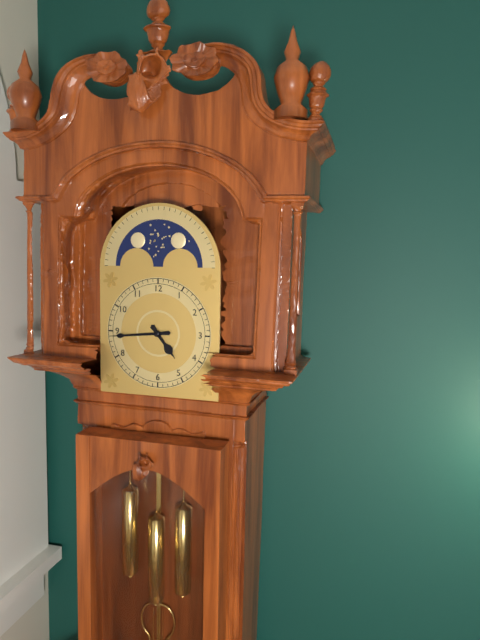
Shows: 4 h 44 min
